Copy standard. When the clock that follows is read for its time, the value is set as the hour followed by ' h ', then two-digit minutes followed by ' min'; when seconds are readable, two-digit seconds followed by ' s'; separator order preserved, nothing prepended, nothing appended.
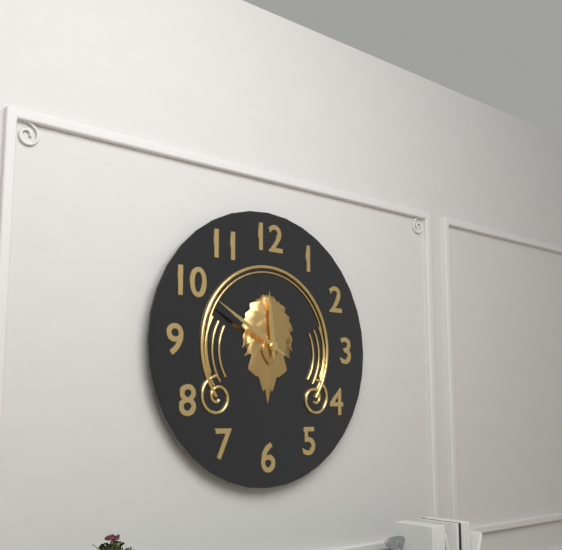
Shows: 11 h 50 min
